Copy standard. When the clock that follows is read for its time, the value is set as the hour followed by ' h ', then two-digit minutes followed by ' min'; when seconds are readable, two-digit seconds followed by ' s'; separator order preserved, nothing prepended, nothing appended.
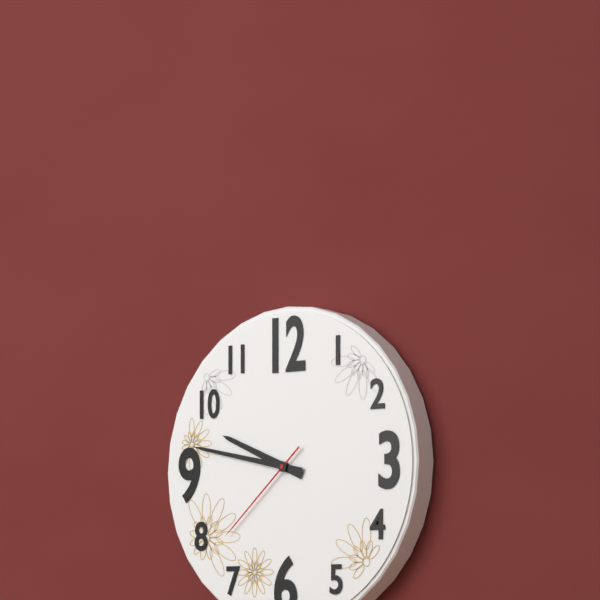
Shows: 9 h 47 min 38 s
